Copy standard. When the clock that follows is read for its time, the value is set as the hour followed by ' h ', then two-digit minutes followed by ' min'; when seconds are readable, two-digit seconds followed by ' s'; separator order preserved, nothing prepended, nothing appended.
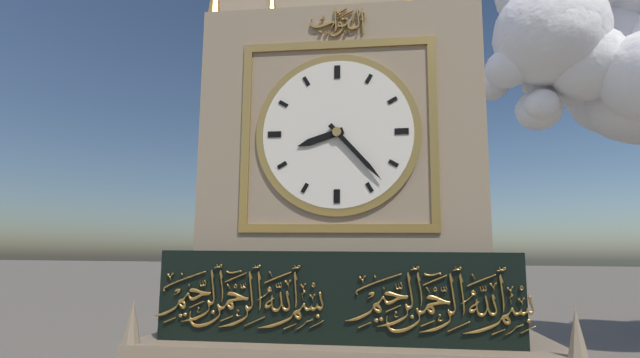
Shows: 8 h 23 min
